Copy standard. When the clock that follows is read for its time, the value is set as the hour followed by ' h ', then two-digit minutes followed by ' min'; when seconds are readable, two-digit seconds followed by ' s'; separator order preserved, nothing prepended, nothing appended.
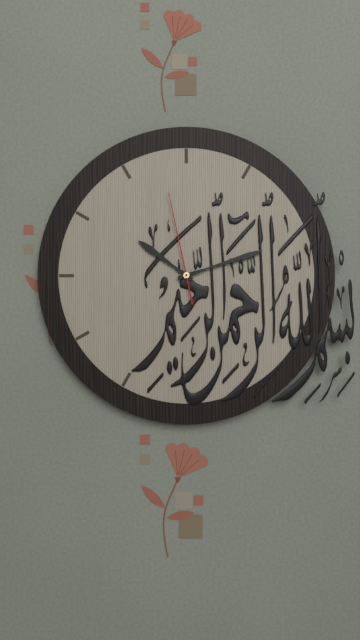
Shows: 10 h 12 min 58 s
